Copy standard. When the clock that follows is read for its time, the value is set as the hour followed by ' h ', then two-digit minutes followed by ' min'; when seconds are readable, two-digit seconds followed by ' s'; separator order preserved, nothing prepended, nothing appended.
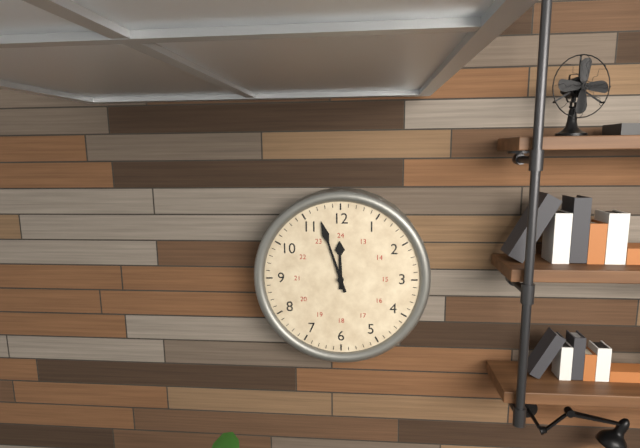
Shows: 11 h 57 min
